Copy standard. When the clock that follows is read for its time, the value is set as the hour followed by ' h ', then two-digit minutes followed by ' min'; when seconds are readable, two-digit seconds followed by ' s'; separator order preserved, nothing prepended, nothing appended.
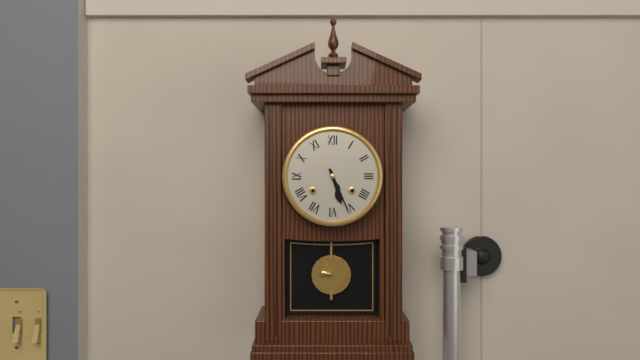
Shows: 5 h 26 min
